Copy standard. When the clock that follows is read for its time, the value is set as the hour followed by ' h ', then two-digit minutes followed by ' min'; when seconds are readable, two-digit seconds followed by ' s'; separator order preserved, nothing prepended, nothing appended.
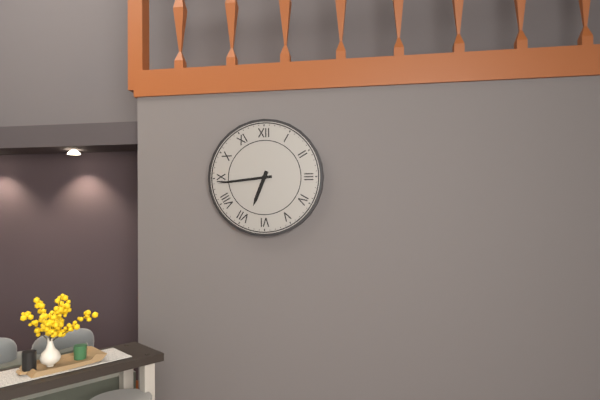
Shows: 6 h 44 min
